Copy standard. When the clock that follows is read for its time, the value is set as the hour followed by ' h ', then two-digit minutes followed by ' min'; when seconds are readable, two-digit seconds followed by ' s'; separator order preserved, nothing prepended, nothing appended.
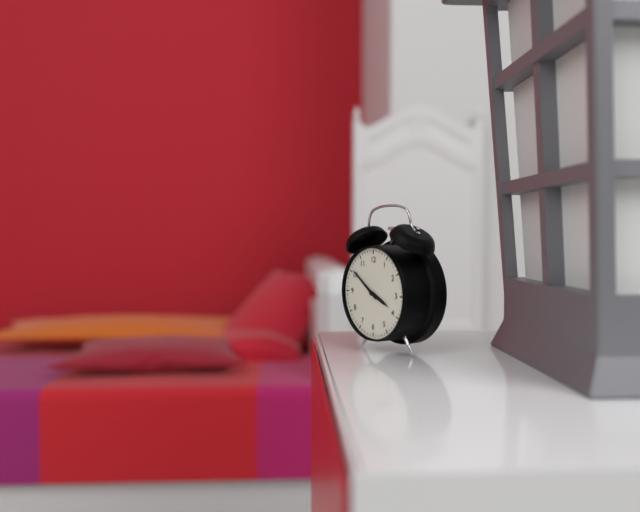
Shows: 3 h 51 min
